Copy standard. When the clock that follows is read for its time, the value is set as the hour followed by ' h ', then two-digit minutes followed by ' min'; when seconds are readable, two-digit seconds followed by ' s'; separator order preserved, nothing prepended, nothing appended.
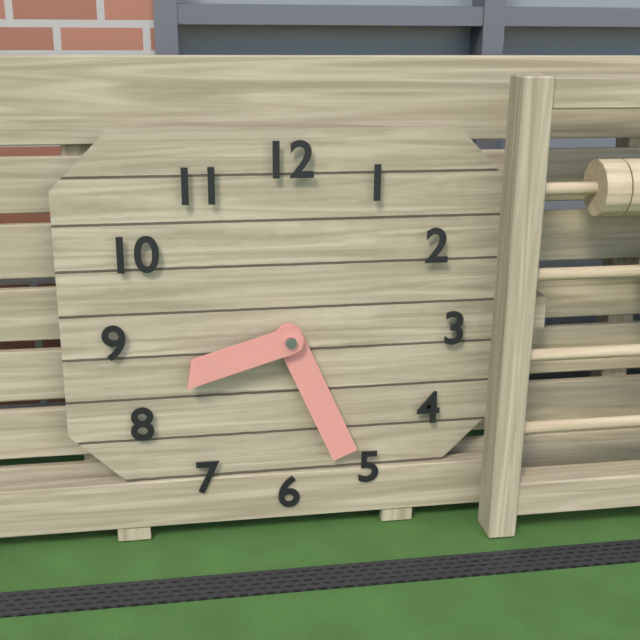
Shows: 8 h 26 min
